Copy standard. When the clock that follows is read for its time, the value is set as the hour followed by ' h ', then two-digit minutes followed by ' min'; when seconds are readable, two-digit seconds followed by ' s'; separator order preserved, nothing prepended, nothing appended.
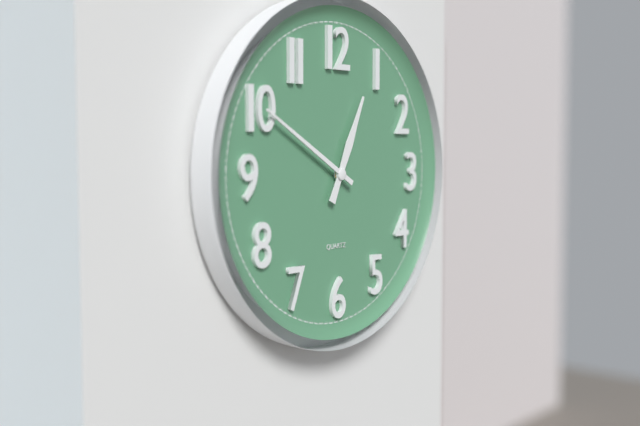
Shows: 12 h 50 min
